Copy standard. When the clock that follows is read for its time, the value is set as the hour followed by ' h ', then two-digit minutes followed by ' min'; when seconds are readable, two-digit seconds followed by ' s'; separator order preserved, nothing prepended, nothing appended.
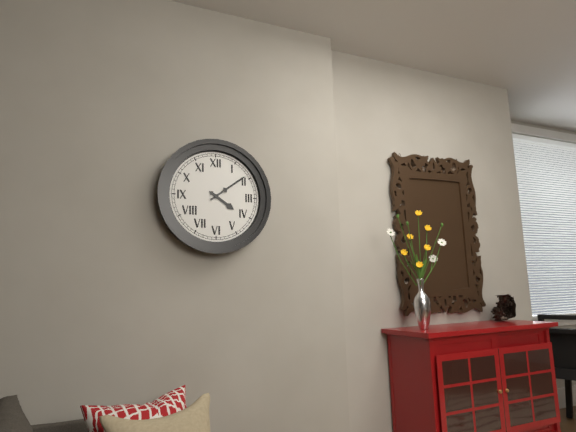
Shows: 4 h 09 min
